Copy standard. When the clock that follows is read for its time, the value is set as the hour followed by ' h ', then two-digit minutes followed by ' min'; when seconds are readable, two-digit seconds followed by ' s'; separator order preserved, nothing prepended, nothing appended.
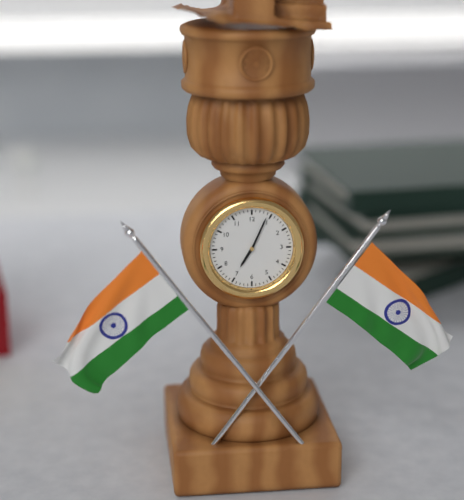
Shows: 7 h 04 min
